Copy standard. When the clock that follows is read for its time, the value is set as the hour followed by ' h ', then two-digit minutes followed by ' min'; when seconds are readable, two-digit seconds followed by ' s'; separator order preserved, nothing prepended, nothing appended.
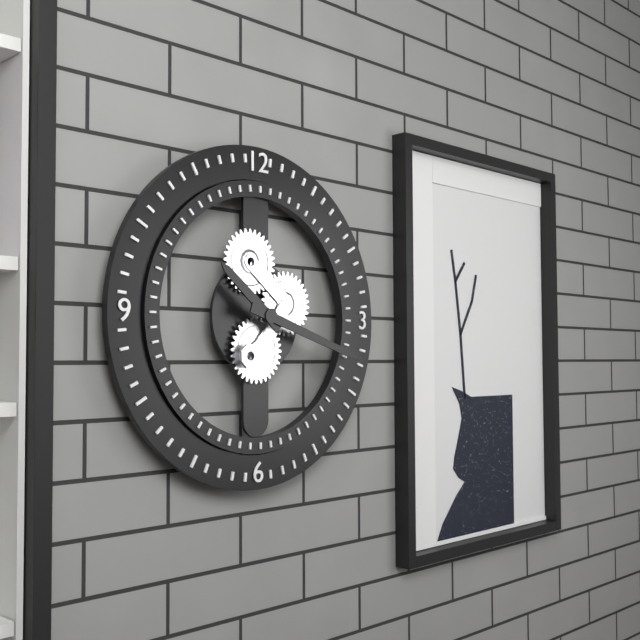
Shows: 10 h 18 min
